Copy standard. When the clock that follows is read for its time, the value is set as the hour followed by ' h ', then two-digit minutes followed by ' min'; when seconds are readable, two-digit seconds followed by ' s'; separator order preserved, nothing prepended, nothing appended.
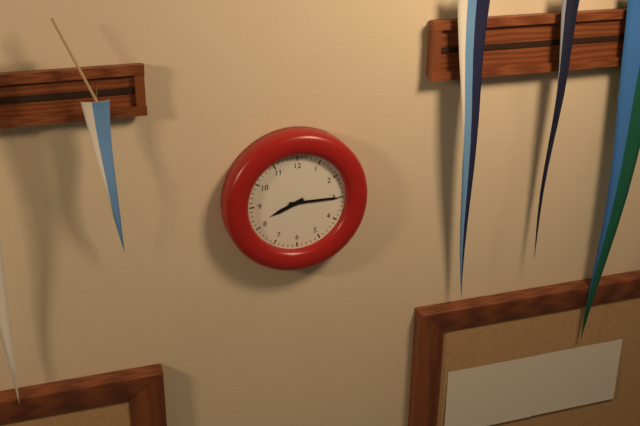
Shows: 8 h 15 min
